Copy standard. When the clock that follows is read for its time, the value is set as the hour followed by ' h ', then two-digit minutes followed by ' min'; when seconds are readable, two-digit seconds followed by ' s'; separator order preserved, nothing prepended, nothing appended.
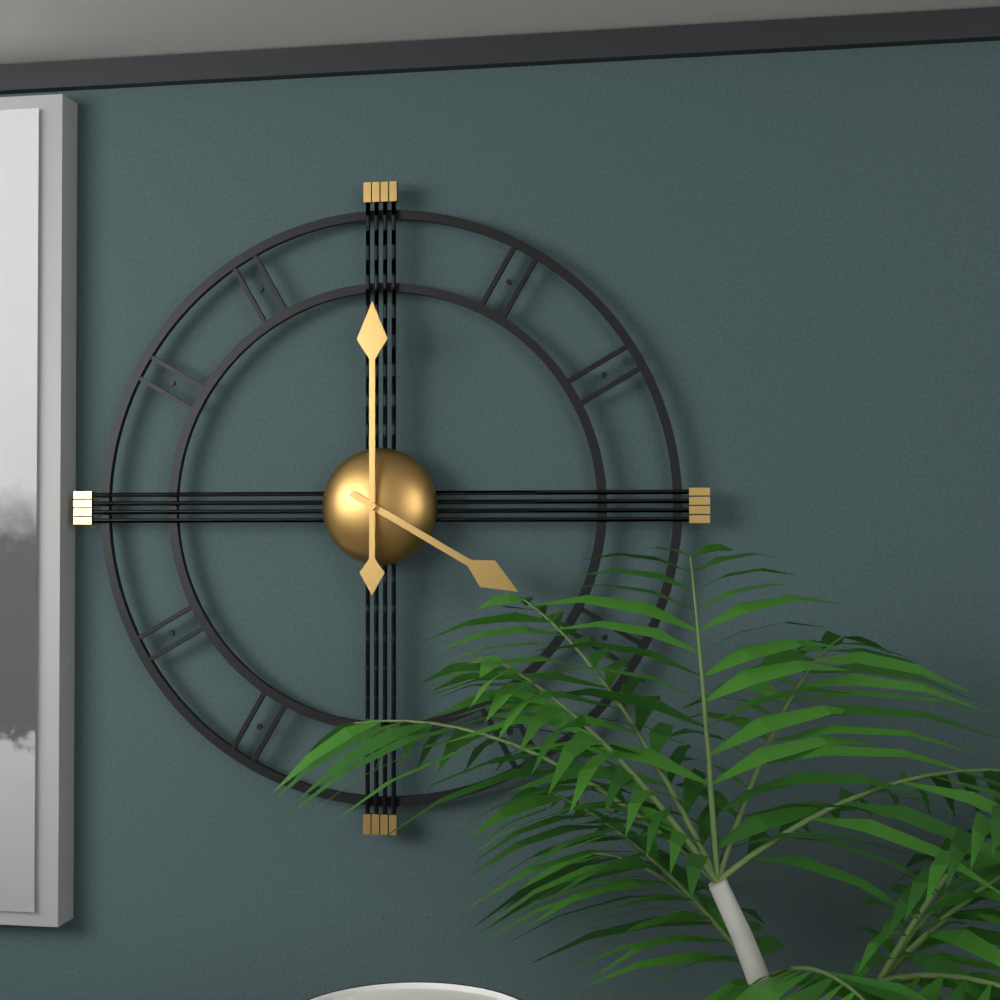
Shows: 4 h 00 min
